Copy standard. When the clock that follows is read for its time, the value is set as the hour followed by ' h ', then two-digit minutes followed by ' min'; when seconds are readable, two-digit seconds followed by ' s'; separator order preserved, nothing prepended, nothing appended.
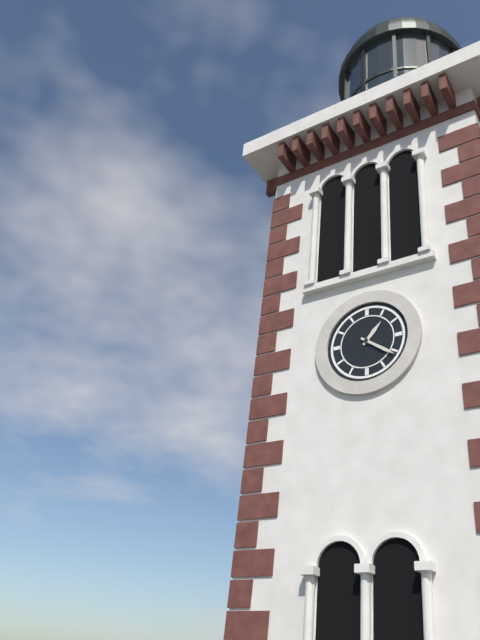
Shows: 1 h 21 min
